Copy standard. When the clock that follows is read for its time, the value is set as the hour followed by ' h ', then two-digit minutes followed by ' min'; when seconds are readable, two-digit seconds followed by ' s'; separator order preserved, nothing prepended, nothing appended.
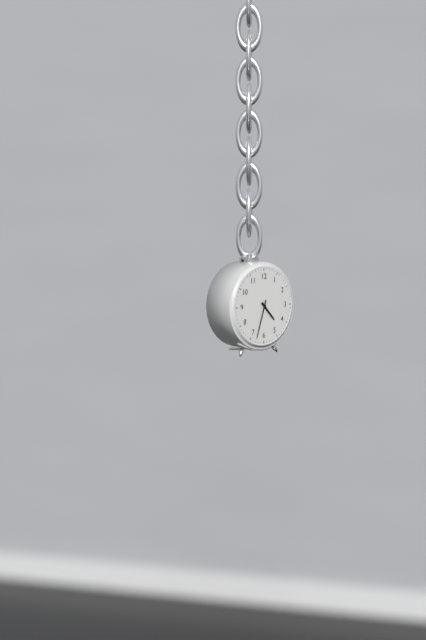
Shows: 4 h 33 min
